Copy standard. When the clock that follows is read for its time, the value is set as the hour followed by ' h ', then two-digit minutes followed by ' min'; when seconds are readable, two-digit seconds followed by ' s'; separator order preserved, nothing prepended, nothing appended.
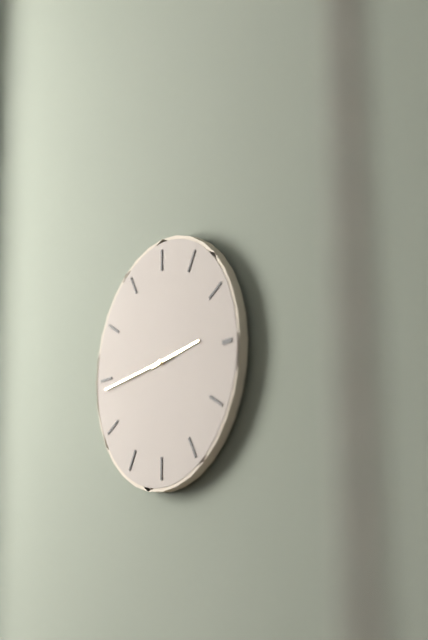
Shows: 2 h 44 min
